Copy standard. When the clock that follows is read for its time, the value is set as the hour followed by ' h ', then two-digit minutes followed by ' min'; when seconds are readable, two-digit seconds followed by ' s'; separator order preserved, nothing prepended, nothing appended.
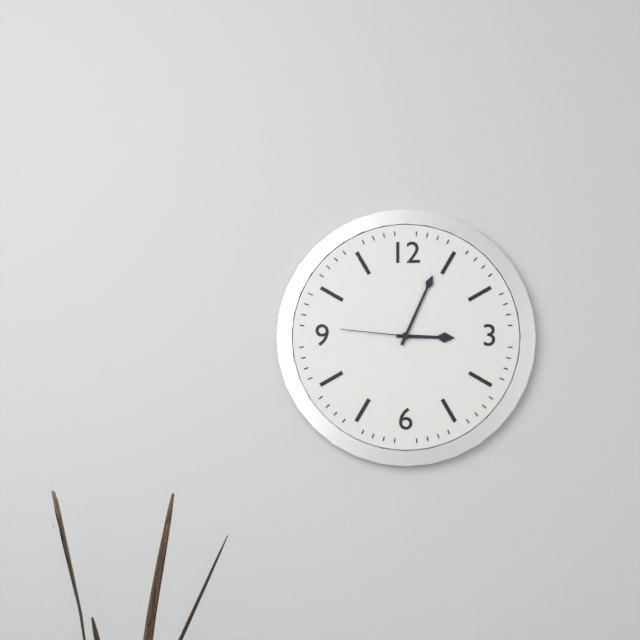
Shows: 3 h 04 min 46 s
